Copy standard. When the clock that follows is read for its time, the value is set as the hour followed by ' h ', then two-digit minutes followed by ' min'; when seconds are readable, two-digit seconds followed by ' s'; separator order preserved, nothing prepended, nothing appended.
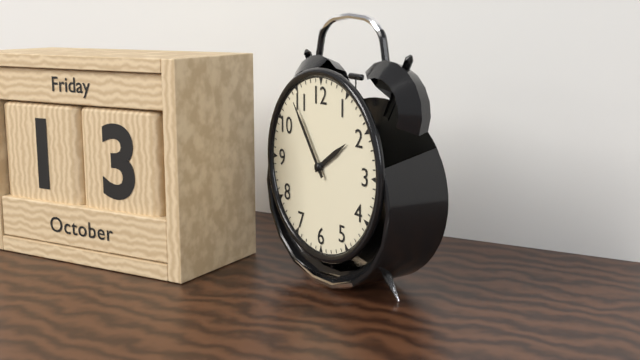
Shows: 1 h 54 min
